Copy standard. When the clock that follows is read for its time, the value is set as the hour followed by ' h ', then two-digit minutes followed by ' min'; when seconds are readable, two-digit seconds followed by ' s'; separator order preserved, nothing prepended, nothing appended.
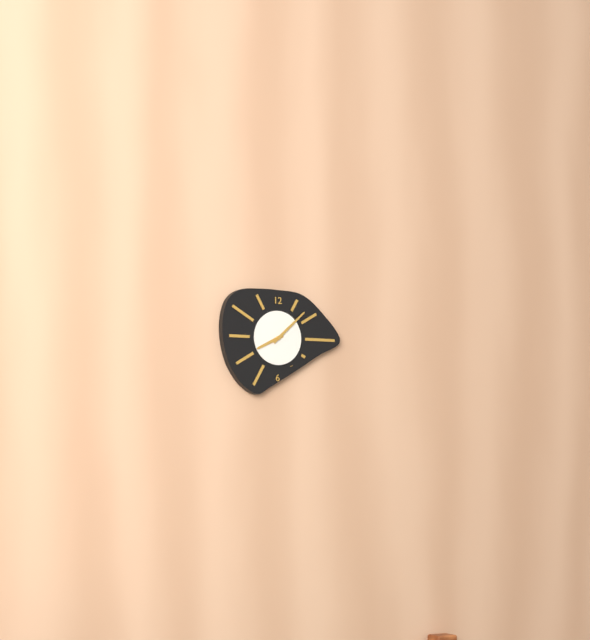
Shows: 8 h 08 min
